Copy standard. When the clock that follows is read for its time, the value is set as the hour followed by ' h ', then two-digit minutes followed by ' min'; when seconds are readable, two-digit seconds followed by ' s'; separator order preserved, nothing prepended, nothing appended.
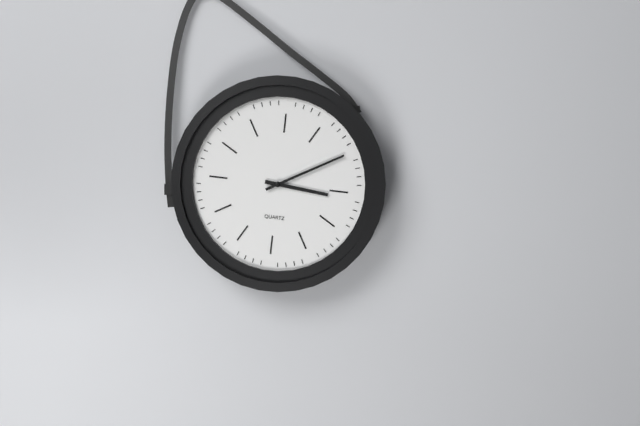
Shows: 3 h 10 min
